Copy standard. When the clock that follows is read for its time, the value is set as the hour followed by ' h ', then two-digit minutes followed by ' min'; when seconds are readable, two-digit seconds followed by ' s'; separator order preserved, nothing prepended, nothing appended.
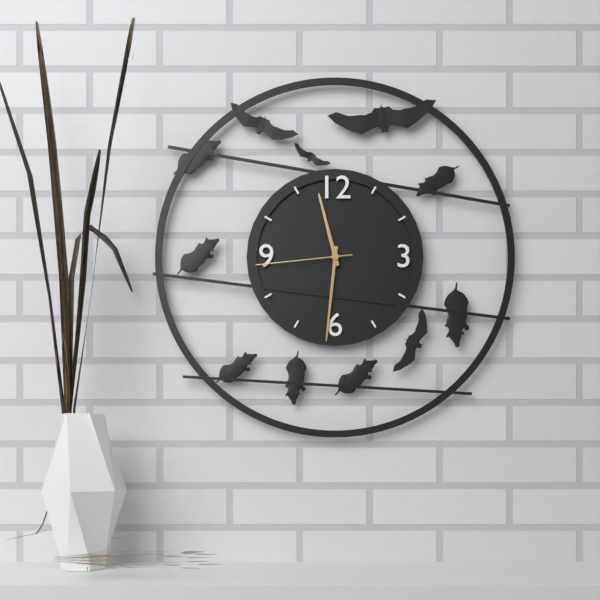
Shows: 11 h 31 min 44 s
